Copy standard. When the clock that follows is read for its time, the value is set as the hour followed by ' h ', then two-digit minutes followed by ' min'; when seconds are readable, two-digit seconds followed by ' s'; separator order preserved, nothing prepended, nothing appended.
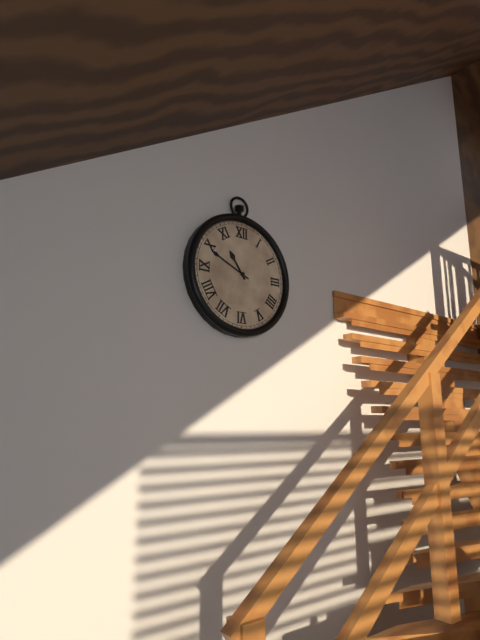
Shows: 10 h 49 min
